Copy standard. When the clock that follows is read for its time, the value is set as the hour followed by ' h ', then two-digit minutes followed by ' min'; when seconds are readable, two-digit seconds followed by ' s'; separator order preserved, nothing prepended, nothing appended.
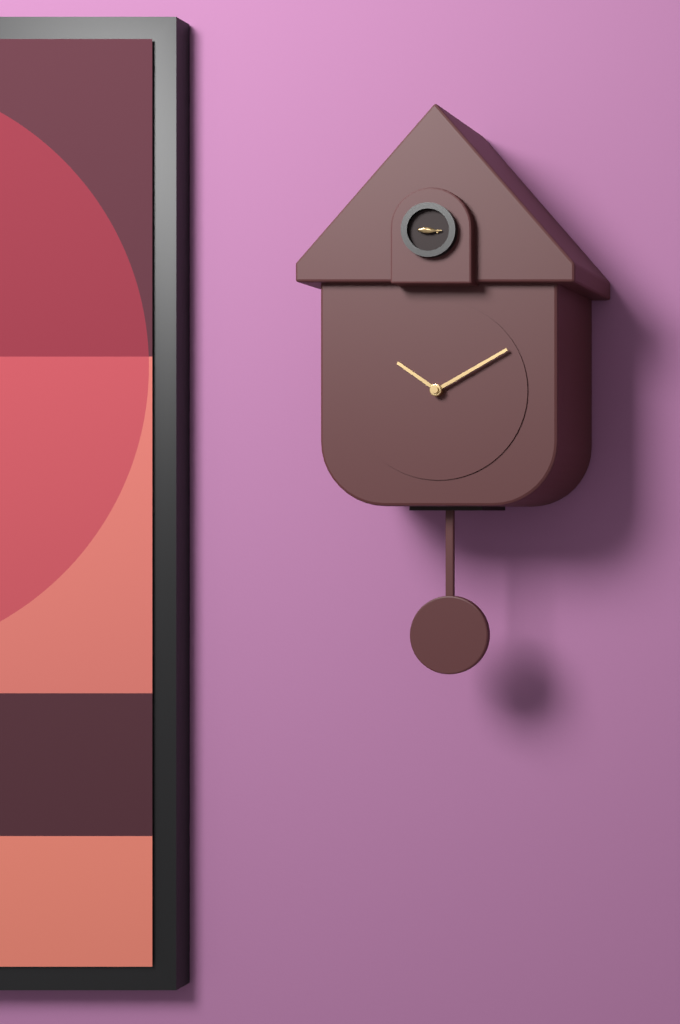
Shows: 10 h 10 min
